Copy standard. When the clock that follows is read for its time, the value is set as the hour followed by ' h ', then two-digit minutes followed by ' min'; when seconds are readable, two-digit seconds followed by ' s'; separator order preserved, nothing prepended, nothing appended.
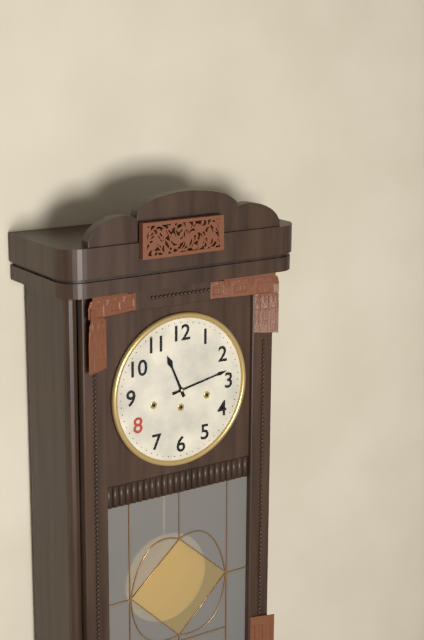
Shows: 11 h 13 min
